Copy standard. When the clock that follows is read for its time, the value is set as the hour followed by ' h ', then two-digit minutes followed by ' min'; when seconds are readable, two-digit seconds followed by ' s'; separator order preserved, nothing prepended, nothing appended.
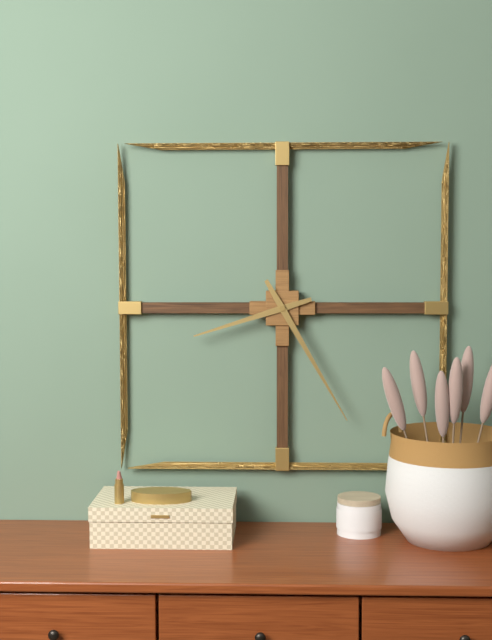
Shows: 8 h 25 min
